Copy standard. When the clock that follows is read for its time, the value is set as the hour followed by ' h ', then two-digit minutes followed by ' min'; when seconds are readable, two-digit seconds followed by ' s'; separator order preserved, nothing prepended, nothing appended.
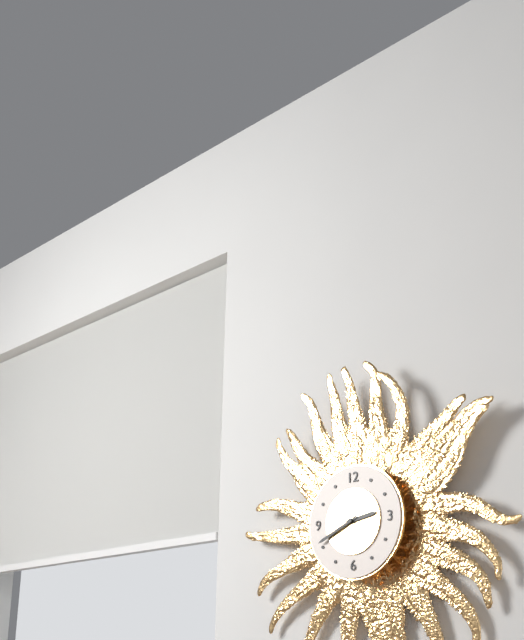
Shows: 2 h 41 min
